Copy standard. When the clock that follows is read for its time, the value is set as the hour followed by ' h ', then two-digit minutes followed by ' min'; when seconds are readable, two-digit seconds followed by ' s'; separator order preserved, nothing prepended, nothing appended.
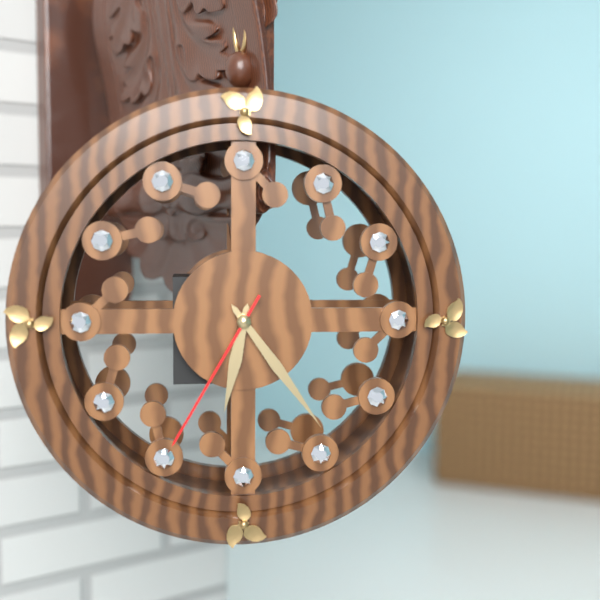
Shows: 6 h 24 min 35 s
